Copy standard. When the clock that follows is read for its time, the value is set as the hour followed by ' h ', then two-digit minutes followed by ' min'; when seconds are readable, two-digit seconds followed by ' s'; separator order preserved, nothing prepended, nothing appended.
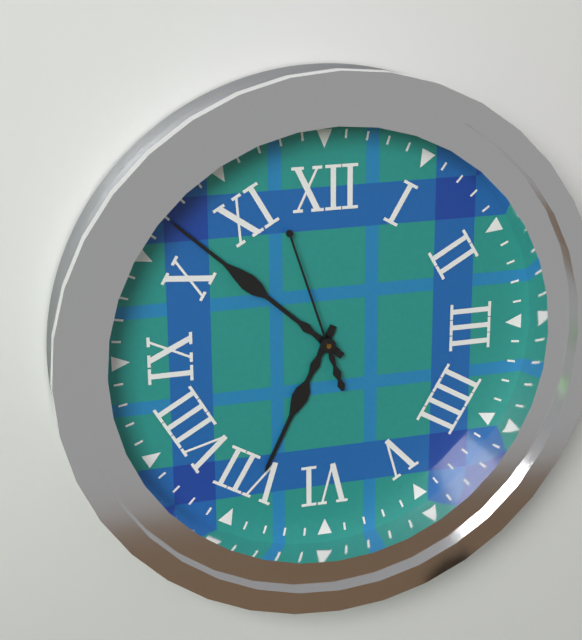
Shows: 6 h 52 min 57 s
